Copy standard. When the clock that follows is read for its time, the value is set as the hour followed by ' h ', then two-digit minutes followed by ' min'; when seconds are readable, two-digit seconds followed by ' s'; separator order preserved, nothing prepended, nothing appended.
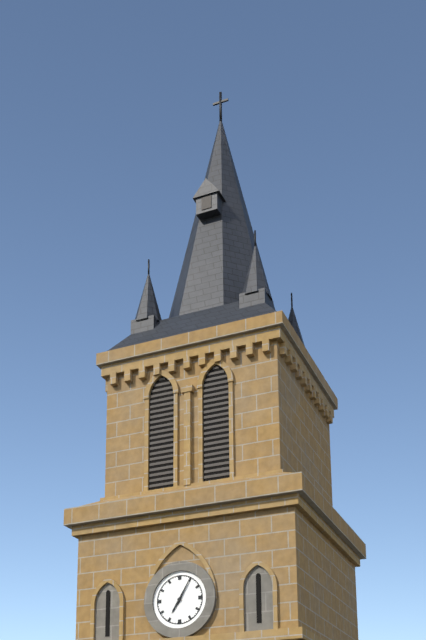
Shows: 7 h 05 min
